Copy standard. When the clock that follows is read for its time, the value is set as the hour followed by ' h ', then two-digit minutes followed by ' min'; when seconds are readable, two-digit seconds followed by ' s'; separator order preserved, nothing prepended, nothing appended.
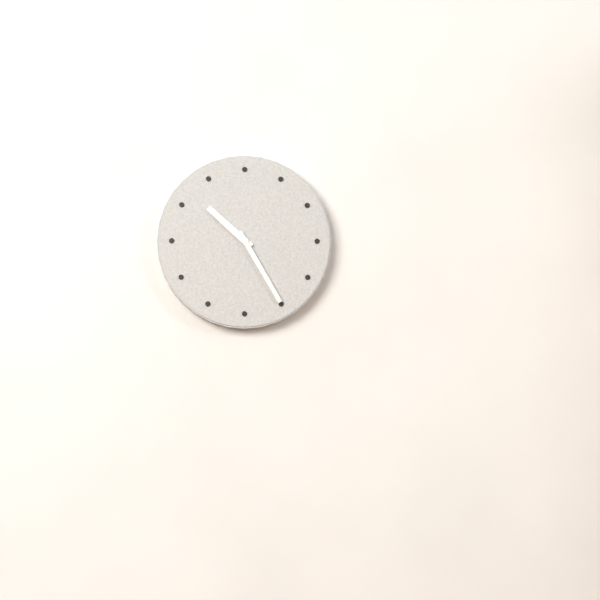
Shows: 10 h 25 min
